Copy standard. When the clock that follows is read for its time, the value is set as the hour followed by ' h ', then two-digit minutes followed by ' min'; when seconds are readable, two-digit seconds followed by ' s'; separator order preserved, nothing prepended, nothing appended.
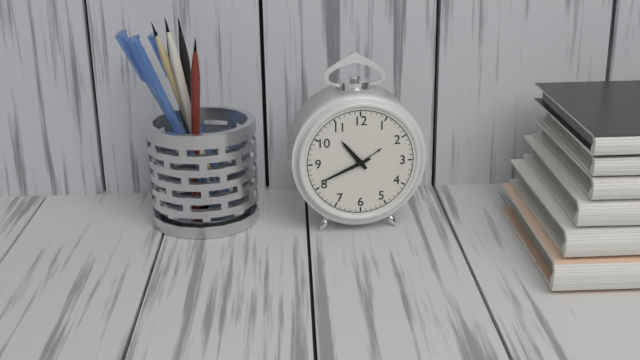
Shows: 10 h 41 min
